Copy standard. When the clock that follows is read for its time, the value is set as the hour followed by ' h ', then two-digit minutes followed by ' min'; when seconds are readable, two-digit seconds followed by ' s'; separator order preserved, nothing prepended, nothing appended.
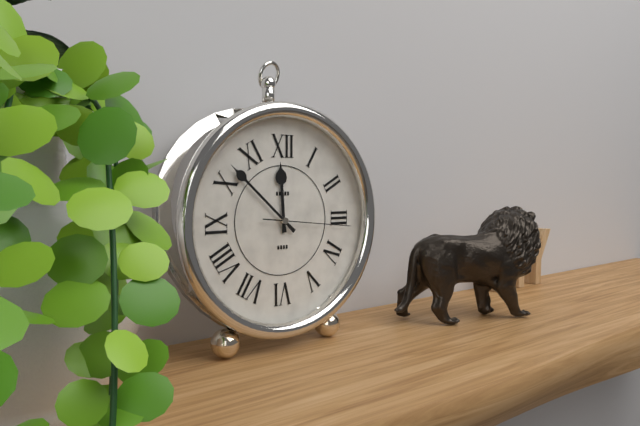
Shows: 11 h 52 min 16 s
